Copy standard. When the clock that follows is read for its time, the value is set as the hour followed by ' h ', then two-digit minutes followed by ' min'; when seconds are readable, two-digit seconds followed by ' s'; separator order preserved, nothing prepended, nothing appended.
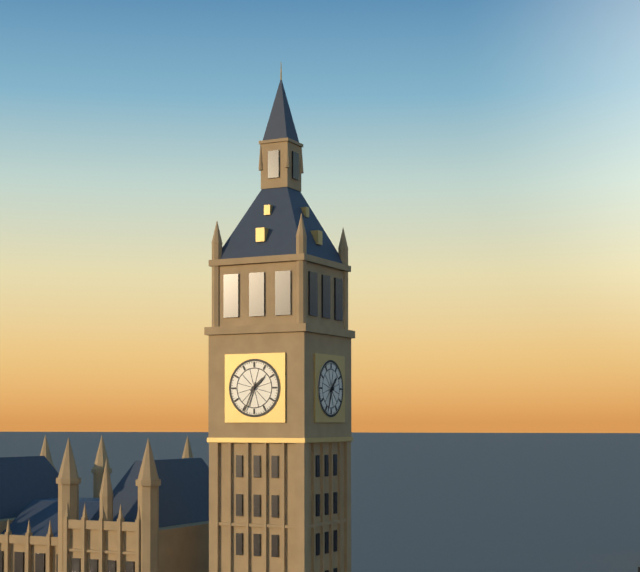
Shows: 1 h 34 min
